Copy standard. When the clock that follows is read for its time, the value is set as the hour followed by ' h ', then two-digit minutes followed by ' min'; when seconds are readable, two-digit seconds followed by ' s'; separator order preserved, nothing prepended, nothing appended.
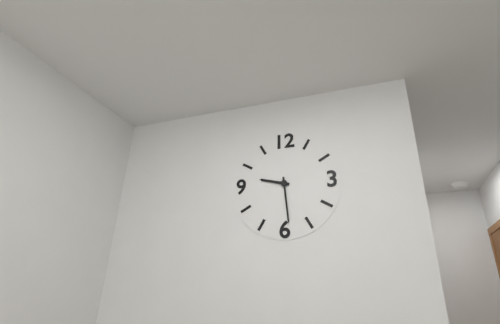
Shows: 9 h 29 min
